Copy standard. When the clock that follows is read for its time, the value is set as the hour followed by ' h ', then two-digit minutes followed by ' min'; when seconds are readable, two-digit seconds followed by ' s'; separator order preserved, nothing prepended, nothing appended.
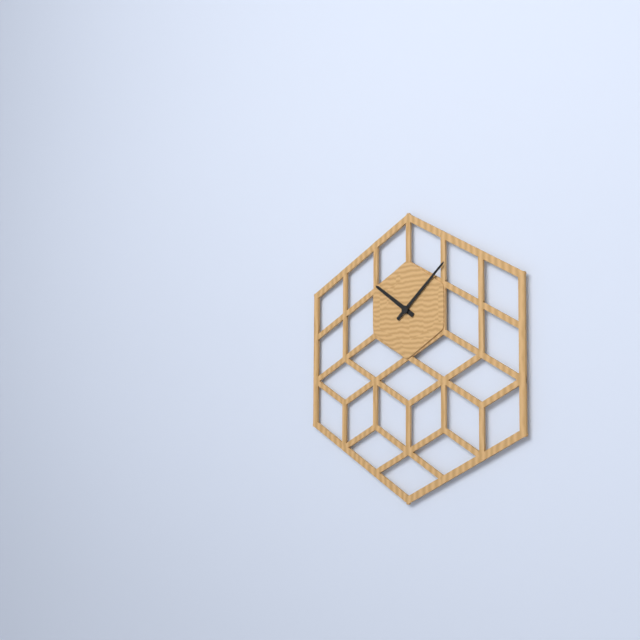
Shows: 10 h 08 min
